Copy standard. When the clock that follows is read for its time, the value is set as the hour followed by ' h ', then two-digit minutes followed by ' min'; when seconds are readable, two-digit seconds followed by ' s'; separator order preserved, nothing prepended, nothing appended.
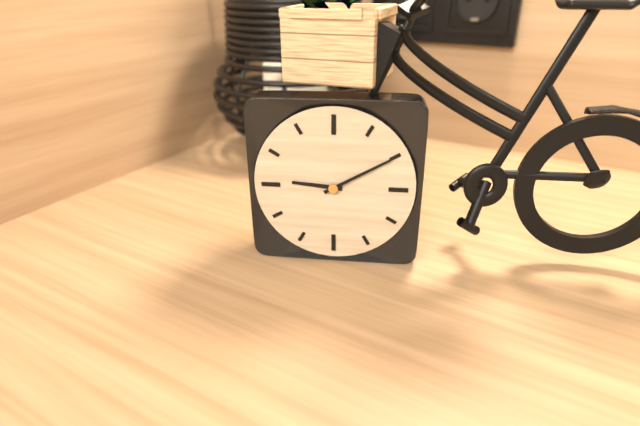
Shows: 9 h 10 min
